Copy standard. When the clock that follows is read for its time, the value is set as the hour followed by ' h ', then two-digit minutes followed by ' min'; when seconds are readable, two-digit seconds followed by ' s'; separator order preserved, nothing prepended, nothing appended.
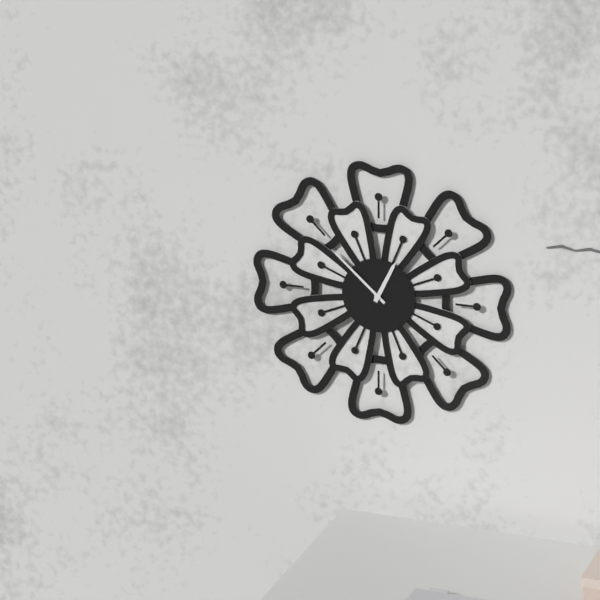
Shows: 12 h 52 min
